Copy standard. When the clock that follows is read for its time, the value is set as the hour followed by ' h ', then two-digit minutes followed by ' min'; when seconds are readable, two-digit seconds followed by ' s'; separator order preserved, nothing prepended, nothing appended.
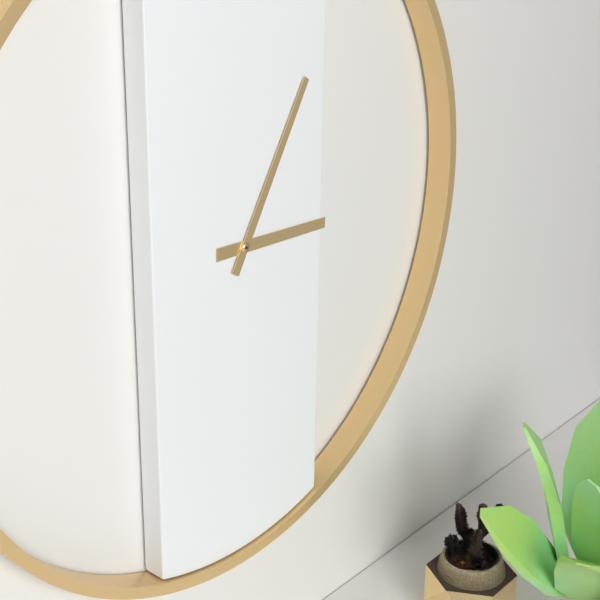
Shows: 3 h 05 min
